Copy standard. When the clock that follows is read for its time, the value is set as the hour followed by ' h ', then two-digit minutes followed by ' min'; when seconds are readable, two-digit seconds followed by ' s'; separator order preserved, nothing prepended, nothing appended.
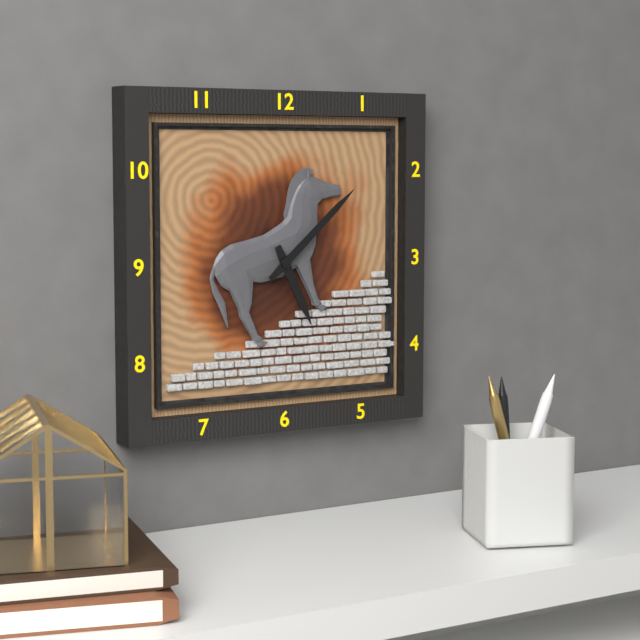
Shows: 5 h 08 min
